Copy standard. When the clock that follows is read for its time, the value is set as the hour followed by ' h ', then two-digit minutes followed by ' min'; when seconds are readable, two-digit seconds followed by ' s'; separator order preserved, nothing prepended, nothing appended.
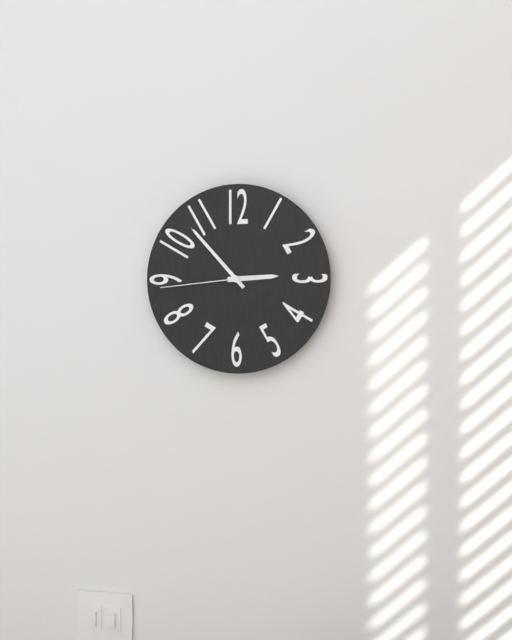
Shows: 2 h 53 min 44 s
